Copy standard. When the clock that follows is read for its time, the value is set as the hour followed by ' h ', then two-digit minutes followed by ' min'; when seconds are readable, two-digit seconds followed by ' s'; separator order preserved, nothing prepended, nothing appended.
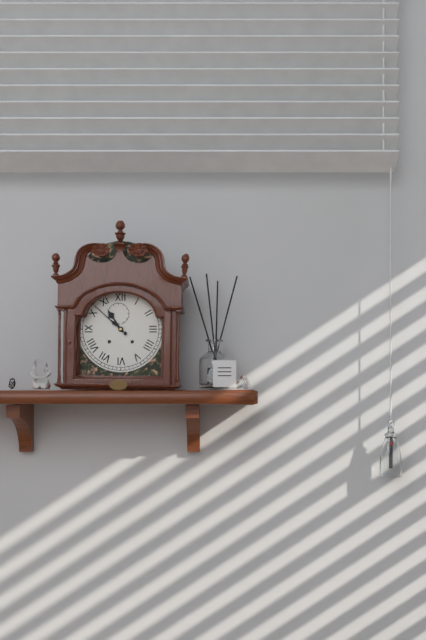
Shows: 10 h 52 min
